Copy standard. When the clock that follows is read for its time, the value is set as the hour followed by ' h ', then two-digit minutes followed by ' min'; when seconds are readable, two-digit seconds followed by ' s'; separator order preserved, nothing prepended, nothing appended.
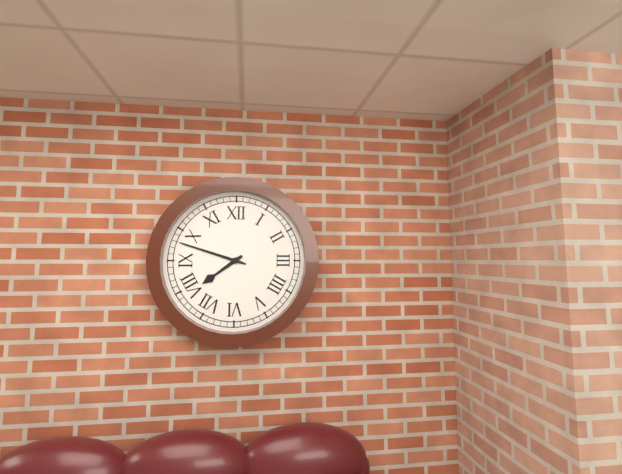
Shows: 7 h 48 min
